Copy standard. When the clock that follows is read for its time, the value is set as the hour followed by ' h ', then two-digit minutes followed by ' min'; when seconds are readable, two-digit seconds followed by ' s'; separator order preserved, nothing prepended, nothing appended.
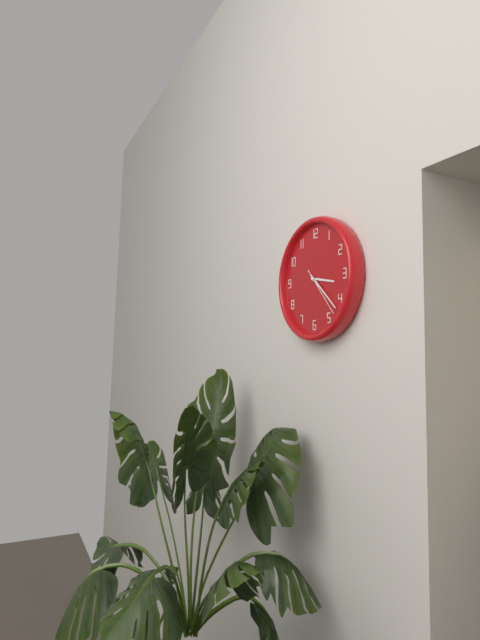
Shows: 3 h 22 min
